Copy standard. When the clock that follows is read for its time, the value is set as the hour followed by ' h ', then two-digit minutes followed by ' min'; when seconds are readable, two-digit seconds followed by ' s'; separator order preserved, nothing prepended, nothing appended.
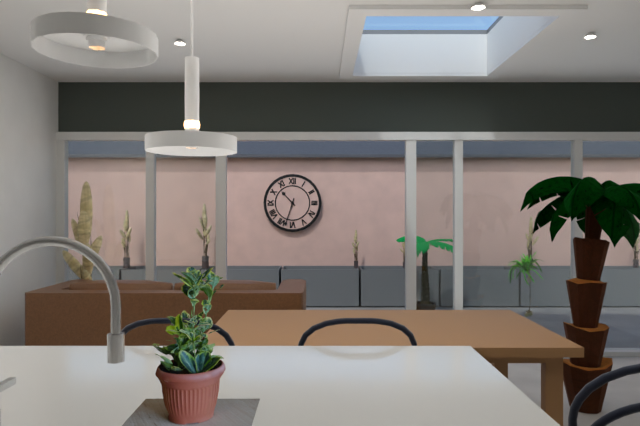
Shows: 10 h 33 min
